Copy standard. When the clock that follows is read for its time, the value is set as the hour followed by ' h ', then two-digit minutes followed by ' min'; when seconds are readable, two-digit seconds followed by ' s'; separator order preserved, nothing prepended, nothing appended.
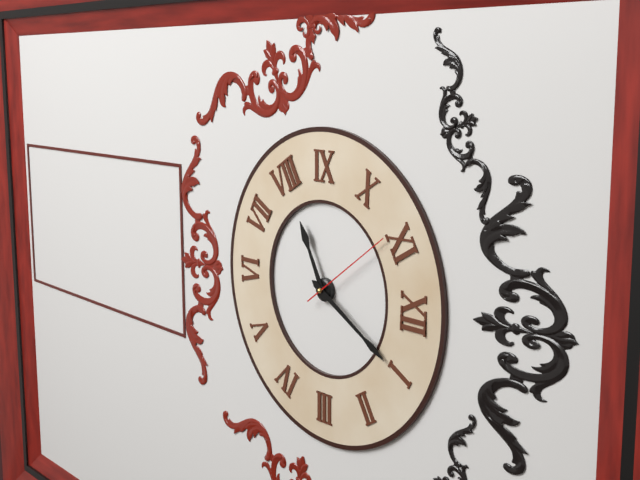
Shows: 8 h 05 min 54 s
